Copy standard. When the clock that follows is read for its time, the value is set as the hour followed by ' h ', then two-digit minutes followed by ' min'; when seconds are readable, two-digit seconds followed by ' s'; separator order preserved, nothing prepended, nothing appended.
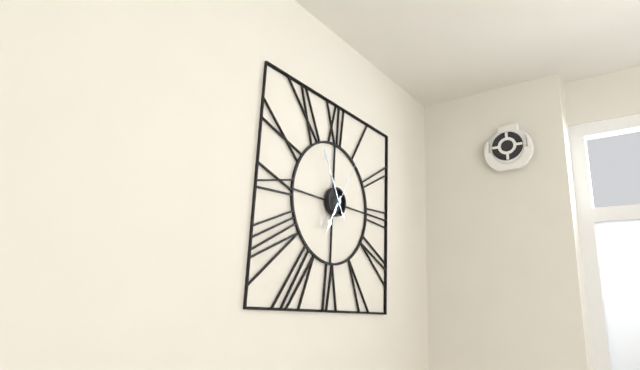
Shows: 6 h 55 min 05 s
